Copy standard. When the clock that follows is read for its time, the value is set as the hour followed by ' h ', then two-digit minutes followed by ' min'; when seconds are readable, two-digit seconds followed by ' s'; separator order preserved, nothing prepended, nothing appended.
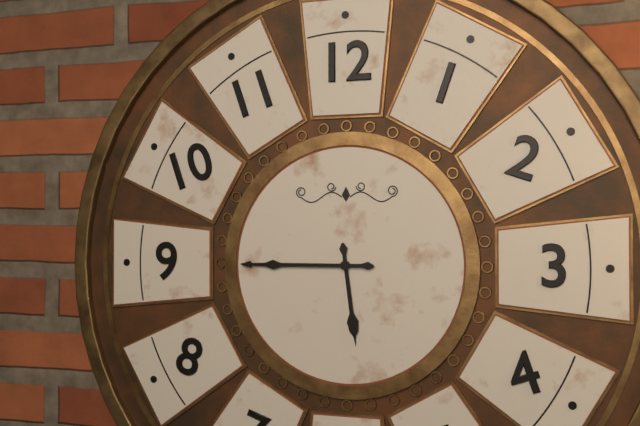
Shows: 5 h 45 min
